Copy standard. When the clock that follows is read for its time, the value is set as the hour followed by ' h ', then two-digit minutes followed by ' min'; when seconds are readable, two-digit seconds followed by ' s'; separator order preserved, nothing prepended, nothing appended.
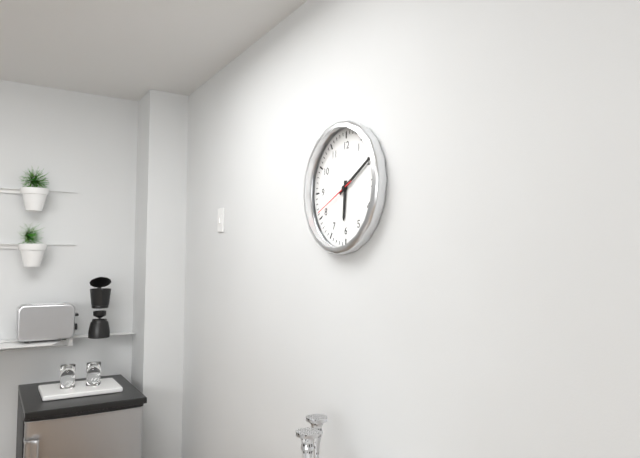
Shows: 6 h 10 min
